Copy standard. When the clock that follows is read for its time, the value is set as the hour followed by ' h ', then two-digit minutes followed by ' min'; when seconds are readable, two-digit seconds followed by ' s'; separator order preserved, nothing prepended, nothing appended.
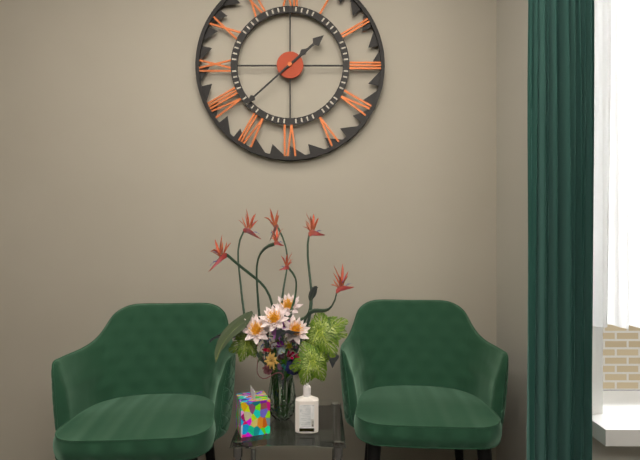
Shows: 1 h 38 min
